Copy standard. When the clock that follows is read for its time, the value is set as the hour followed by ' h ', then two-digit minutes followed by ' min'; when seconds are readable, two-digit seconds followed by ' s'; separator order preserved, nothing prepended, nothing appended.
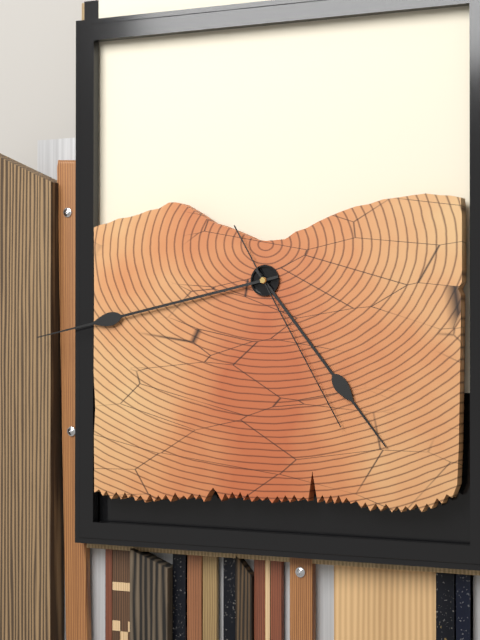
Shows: 4 h 43 min 25 s
